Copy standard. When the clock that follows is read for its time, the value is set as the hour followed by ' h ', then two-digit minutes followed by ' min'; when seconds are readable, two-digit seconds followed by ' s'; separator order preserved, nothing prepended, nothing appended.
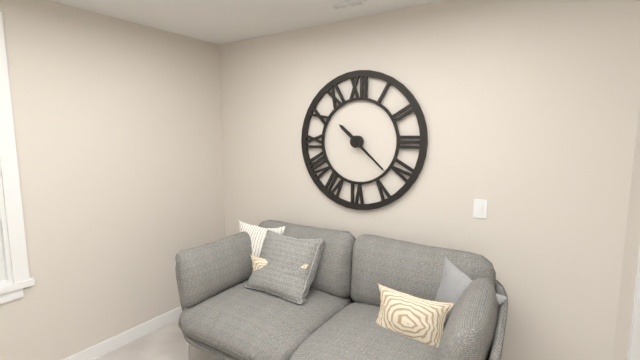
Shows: 10 h 22 min
